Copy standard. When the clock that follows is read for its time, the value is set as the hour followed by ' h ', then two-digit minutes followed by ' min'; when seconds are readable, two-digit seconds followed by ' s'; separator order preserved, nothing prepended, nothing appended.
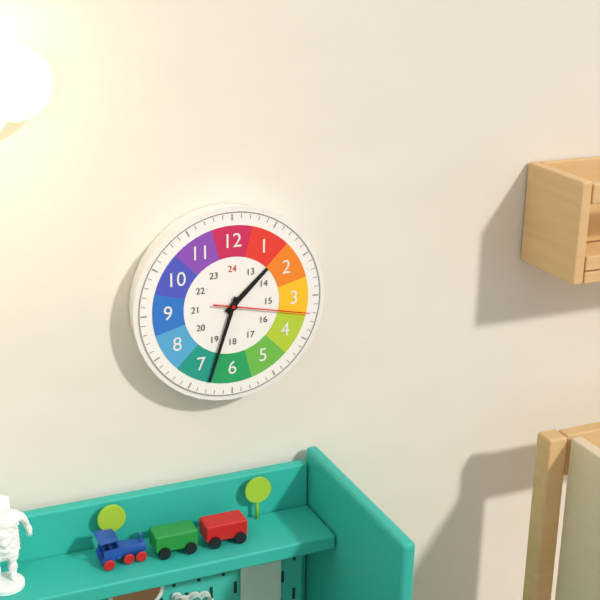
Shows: 1 h 33 min 17 s
